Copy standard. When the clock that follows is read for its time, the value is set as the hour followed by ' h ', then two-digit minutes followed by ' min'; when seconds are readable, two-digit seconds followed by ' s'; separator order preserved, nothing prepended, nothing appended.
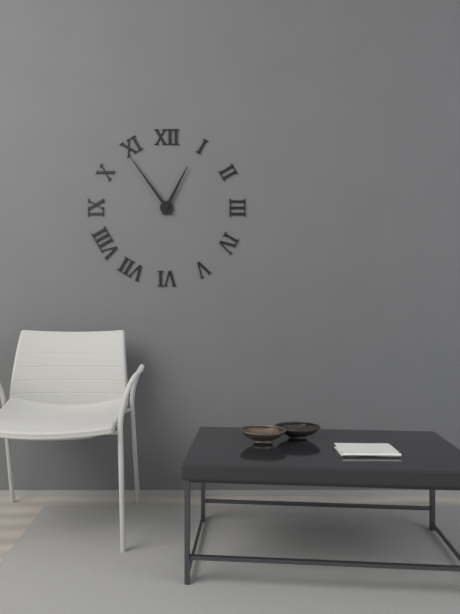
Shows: 12 h 54 min
